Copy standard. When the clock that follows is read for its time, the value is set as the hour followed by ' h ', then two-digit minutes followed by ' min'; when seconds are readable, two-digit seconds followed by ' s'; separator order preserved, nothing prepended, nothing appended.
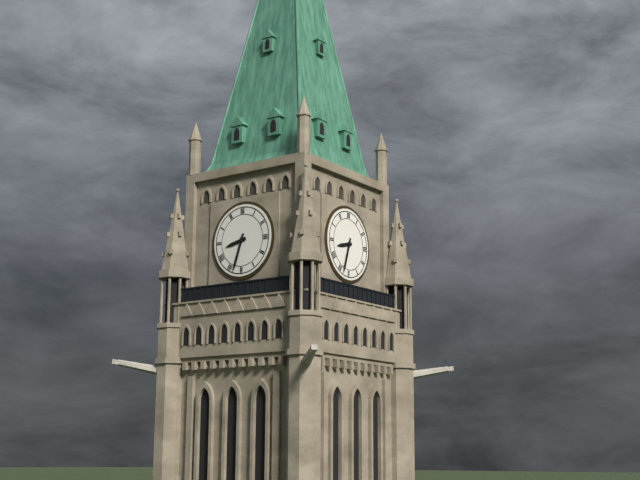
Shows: 8 h 33 min
